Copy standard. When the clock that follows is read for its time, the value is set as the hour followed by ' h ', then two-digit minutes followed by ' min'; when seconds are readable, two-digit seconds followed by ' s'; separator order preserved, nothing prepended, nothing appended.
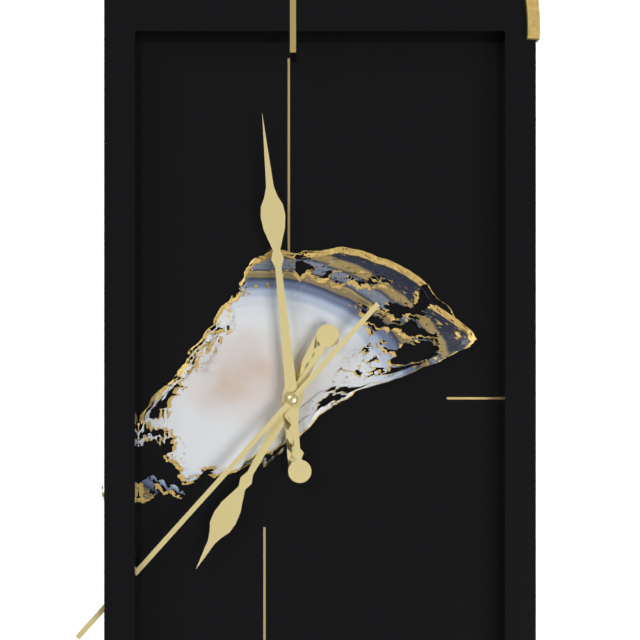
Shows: 6 h 59 min 37 s
